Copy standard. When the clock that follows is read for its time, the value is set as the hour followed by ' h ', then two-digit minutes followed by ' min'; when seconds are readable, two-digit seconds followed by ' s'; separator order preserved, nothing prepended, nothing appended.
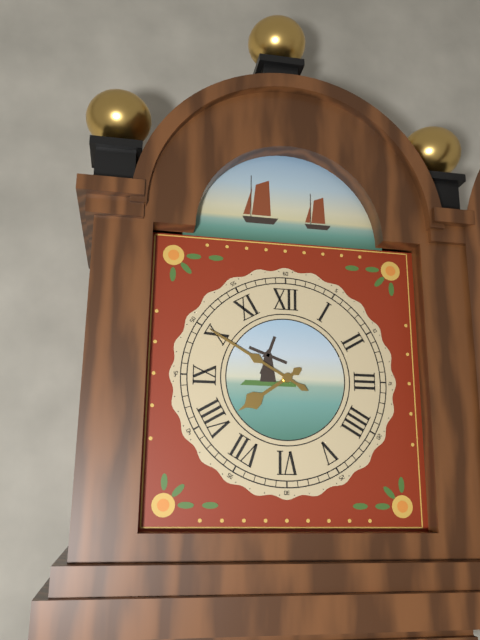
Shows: 7 h 50 min
